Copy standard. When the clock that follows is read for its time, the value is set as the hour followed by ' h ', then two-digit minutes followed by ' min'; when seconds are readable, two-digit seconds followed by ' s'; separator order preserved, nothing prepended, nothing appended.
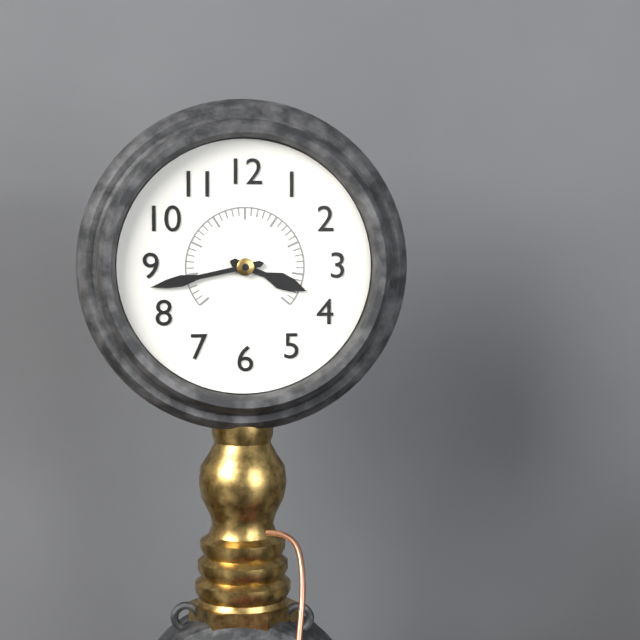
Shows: 3 h 43 min
